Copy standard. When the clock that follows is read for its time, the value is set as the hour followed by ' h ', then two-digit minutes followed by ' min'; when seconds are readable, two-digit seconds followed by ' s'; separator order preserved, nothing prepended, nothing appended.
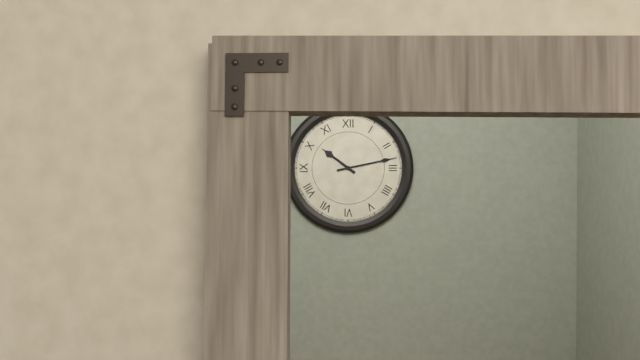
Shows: 10 h 13 min
